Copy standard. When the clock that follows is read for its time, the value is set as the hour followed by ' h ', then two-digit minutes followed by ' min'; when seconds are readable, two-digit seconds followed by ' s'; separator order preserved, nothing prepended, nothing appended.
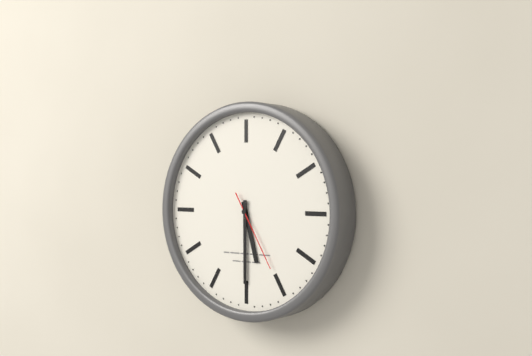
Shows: 5 h 30 min 25 s
